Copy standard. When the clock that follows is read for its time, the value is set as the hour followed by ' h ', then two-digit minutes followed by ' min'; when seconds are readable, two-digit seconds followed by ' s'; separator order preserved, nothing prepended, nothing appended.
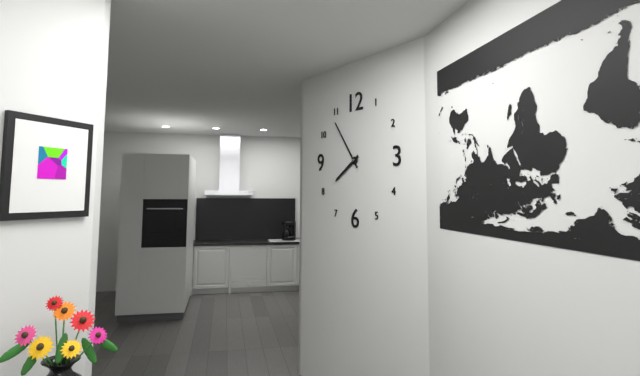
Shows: 7 h 54 min
